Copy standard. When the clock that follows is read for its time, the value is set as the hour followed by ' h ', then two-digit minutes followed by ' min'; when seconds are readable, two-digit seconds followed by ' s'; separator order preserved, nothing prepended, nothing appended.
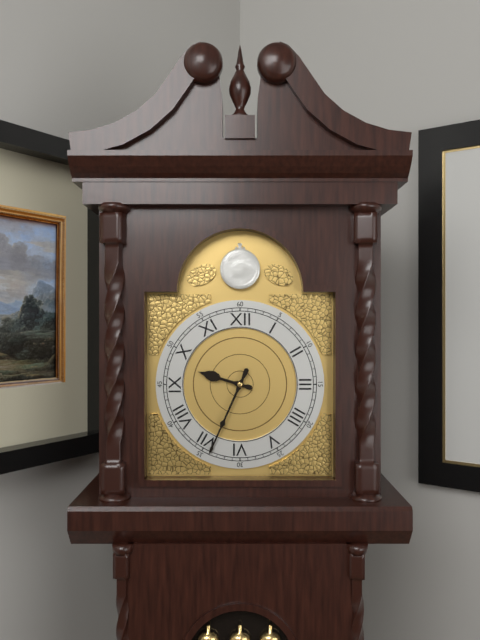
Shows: 9 h 34 min
